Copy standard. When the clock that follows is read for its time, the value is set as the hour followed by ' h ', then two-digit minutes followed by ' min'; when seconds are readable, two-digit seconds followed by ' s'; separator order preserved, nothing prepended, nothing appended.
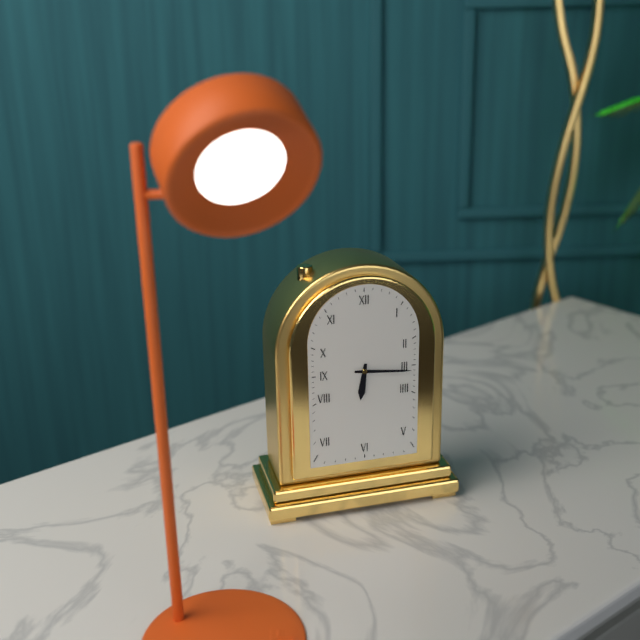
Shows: 6 h 16 min
